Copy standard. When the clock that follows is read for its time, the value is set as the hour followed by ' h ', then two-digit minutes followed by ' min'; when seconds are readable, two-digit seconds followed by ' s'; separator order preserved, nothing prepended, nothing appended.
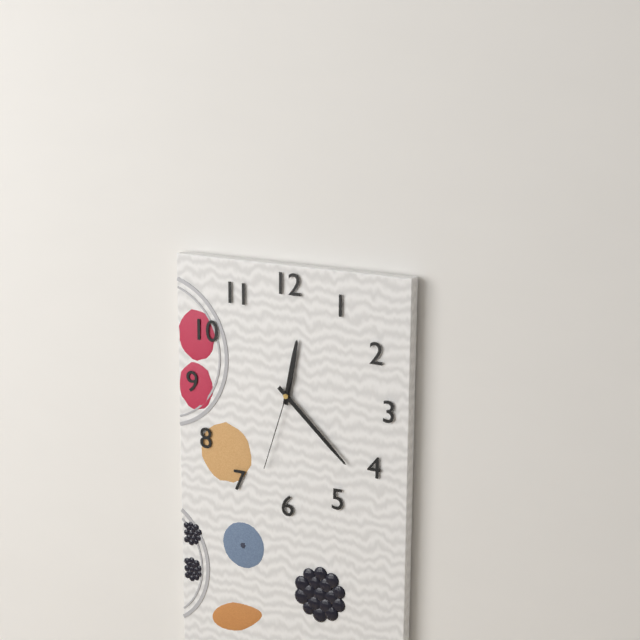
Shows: 12 h 22 min 33 s
